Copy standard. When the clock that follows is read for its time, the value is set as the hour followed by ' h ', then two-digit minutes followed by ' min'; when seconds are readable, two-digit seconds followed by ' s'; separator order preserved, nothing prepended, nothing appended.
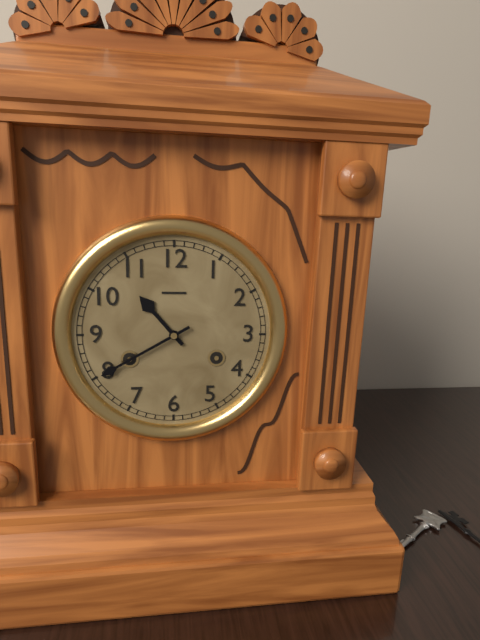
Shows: 10 h 40 min
